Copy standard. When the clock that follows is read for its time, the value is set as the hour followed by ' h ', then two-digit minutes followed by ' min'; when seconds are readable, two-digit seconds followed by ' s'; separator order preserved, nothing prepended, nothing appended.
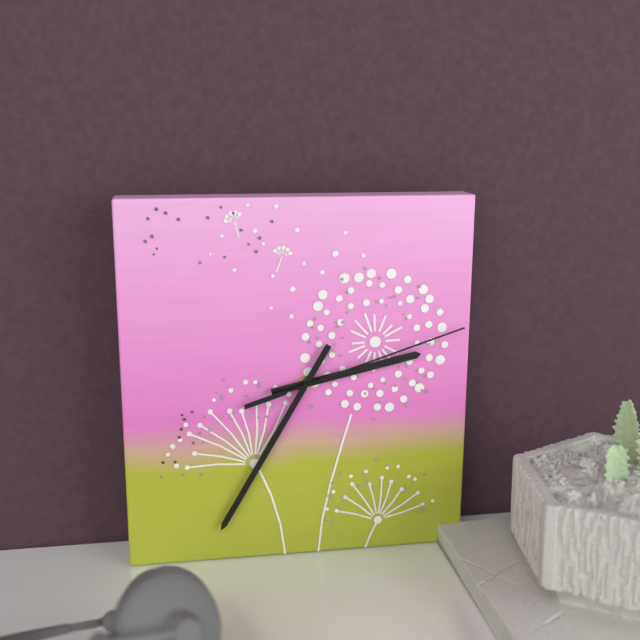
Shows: 2 h 35 min 12 s
